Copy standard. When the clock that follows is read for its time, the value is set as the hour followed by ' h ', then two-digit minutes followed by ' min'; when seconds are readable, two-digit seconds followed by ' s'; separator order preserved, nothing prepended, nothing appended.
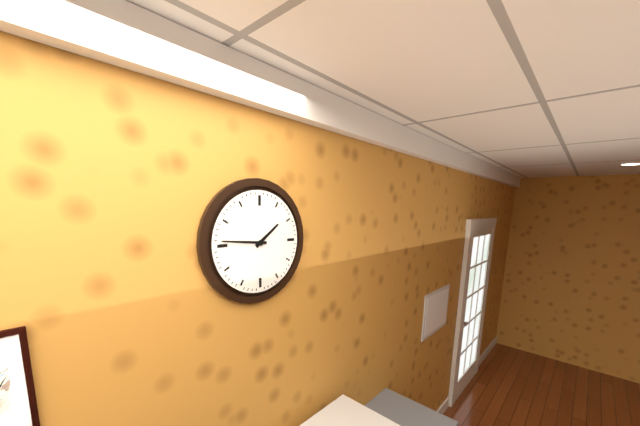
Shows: 1 h 46 min
